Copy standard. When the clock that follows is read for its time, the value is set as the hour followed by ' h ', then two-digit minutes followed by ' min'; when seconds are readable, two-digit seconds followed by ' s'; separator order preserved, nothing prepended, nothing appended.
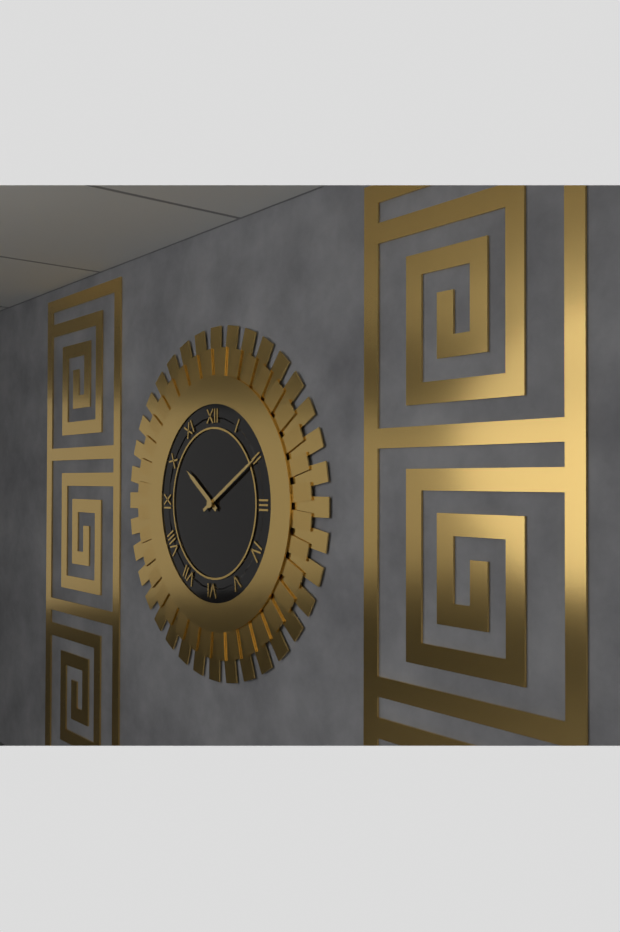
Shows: 10 h 10 min
